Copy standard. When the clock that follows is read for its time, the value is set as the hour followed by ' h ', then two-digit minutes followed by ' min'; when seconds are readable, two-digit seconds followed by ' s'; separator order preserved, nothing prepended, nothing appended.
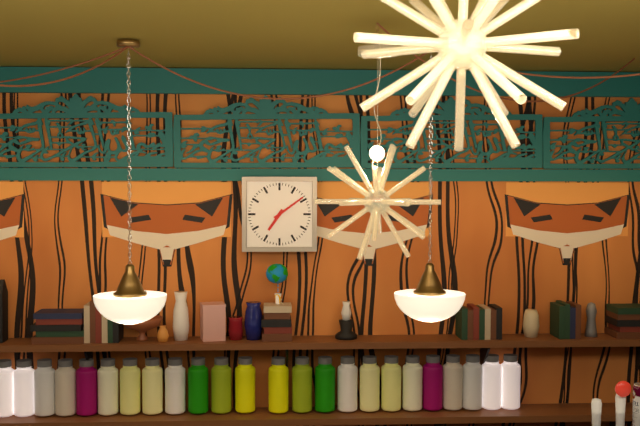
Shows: 7 h 09 min
